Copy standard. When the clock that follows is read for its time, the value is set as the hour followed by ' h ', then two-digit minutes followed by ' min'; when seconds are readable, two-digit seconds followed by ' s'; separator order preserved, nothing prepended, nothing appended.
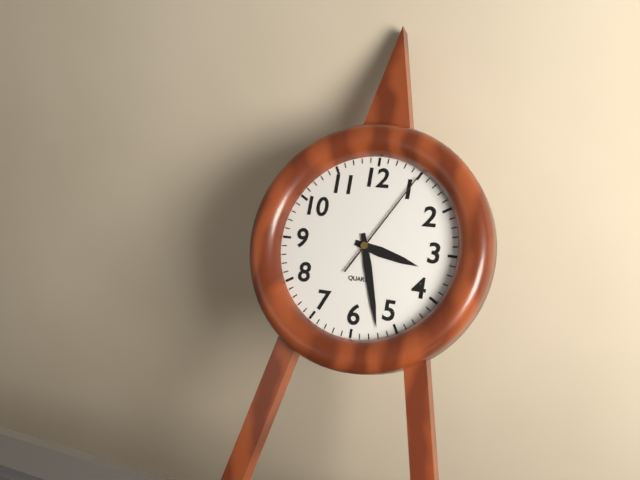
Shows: 3 h 27 min 05 s
